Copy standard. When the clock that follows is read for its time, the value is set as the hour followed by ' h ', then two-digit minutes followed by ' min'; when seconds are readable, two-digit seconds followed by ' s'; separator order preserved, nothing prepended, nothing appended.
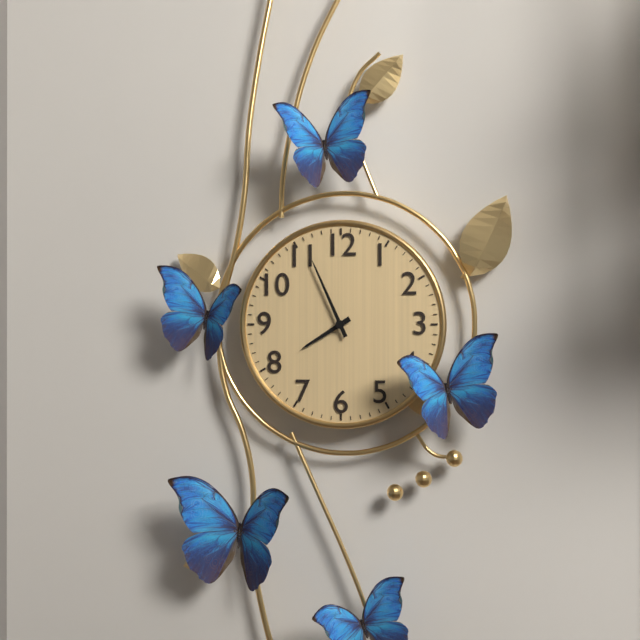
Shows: 7 h 56 min
